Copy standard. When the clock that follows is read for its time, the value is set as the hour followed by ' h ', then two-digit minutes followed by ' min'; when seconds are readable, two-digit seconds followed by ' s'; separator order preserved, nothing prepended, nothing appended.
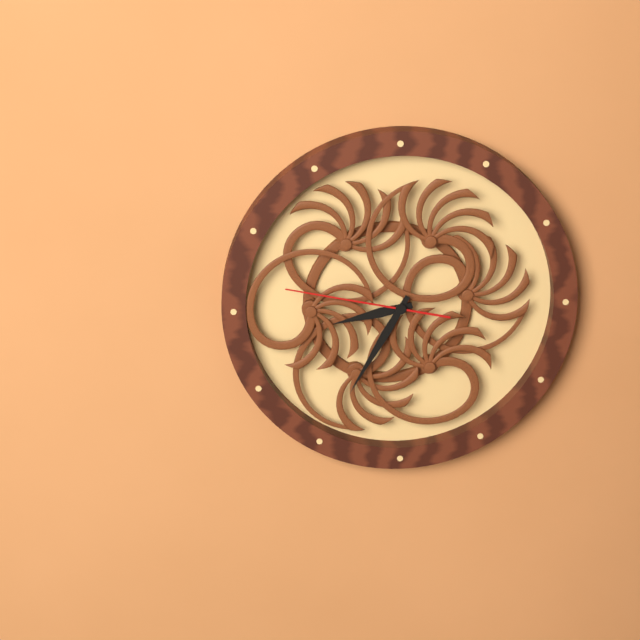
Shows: 8 h 35 min 47 s
